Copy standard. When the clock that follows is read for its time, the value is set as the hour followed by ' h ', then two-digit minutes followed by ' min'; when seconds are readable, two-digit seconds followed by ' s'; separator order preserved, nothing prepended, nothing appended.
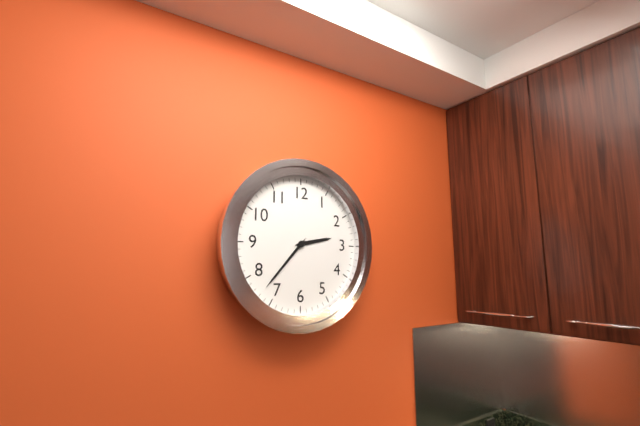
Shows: 2 h 37 min
